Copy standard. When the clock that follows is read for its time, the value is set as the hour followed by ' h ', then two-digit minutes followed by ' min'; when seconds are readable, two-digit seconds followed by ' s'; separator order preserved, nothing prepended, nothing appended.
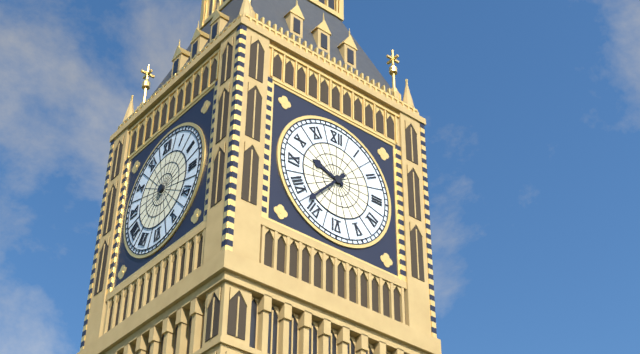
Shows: 9 h 37 min
